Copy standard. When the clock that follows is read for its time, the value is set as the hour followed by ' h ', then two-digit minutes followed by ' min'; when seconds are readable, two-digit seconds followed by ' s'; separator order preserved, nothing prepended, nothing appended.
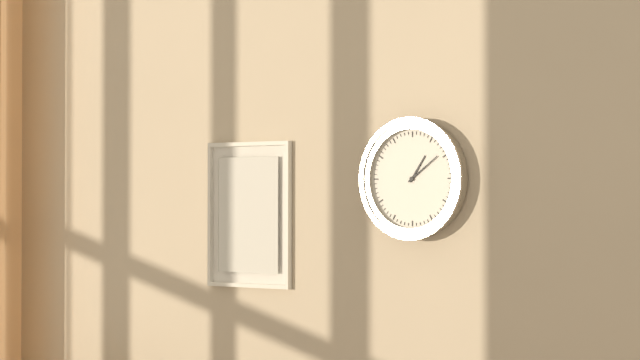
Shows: 1 h 09 min
